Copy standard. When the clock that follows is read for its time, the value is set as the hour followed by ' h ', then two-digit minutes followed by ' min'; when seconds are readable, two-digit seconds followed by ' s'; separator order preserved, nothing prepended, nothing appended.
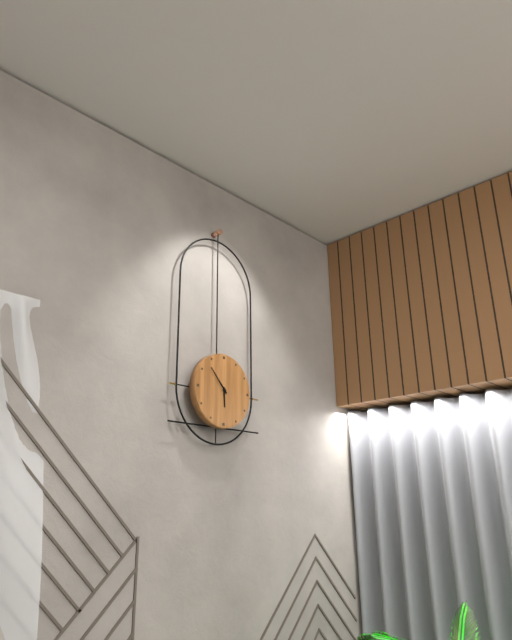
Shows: 5 h 53 min
